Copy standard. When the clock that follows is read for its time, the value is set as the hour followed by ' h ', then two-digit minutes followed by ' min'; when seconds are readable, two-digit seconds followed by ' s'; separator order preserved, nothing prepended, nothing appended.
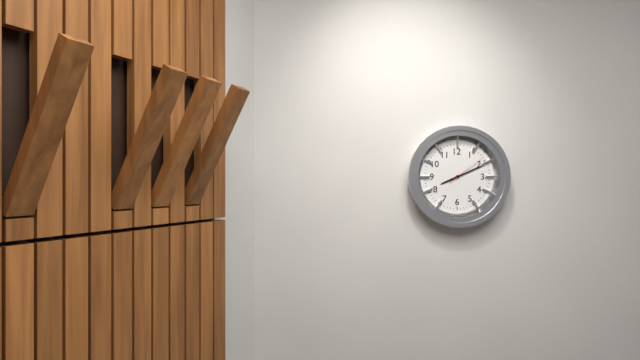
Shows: 8 h 11 min
